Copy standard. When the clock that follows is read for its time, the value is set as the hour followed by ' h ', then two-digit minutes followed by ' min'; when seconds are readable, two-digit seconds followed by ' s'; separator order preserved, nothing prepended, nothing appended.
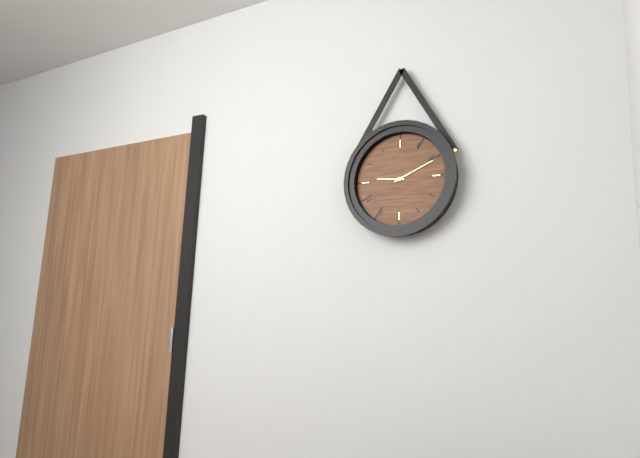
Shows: 9 h 11 min
